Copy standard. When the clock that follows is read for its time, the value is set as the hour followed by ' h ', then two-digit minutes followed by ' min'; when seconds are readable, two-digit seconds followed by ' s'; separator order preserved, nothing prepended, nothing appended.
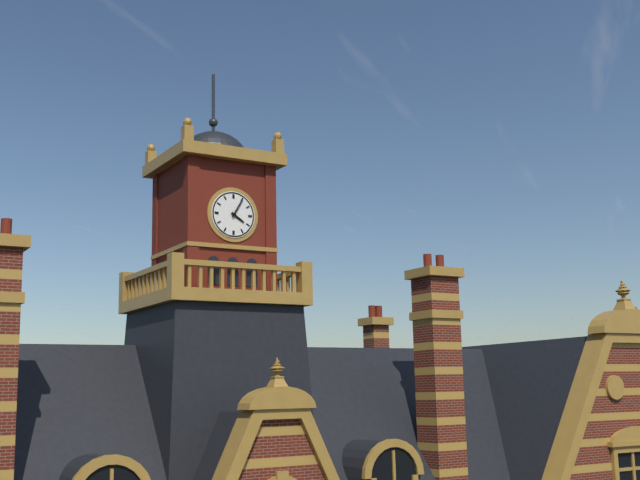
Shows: 4 h 05 min
